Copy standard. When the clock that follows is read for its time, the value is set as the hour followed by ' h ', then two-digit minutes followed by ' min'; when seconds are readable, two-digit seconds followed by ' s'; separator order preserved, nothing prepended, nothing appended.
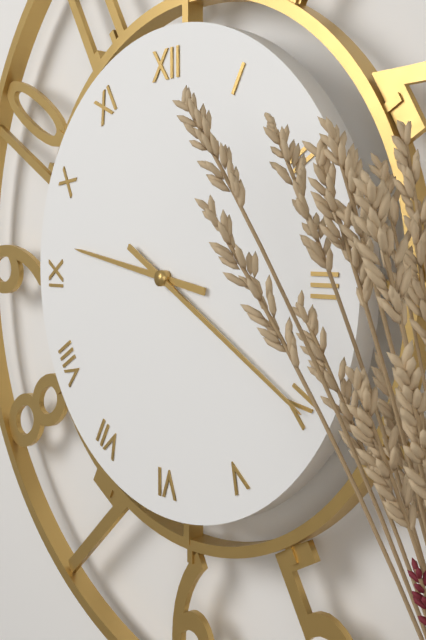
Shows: 9 h 20 min
